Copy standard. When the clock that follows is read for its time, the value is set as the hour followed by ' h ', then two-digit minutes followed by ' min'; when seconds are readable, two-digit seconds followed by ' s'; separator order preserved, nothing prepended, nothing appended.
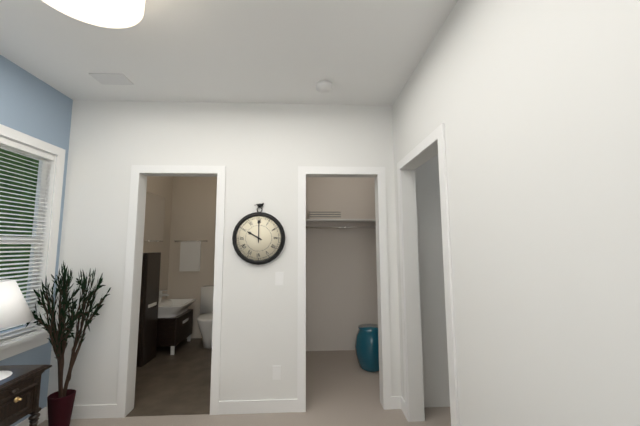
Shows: 10 h 00 min
